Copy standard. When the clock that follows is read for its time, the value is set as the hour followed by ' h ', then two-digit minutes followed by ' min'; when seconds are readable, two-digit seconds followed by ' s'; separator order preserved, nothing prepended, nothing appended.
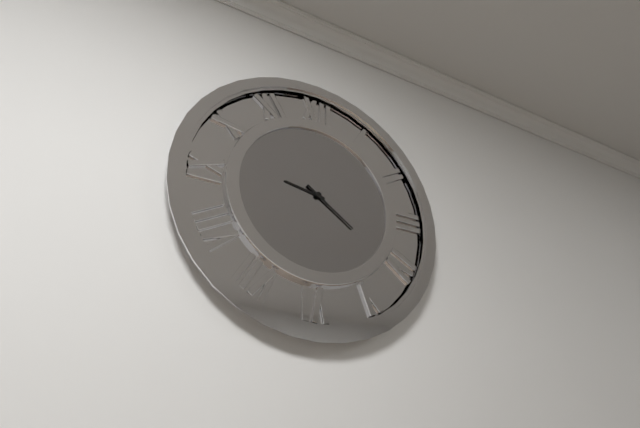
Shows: 9 h 21 min
